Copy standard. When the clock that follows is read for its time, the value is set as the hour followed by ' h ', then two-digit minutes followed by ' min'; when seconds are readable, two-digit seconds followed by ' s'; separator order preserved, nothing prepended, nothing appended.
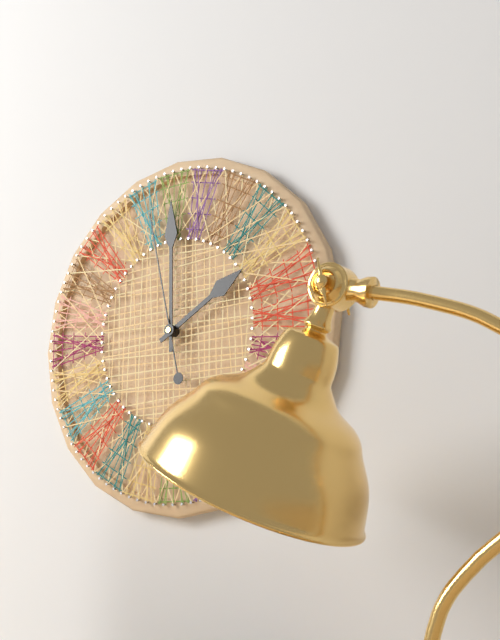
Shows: 2 h 00 min 58 s
